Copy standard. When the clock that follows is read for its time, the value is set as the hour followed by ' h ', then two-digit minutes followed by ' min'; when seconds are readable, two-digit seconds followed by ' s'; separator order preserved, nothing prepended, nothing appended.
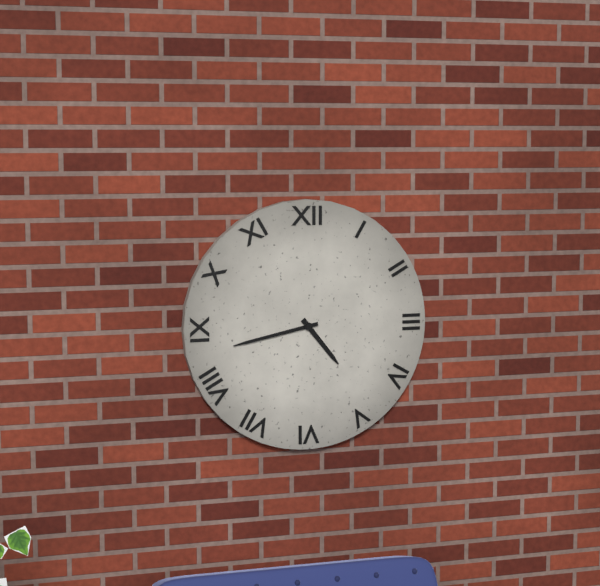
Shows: 4 h 43 min
